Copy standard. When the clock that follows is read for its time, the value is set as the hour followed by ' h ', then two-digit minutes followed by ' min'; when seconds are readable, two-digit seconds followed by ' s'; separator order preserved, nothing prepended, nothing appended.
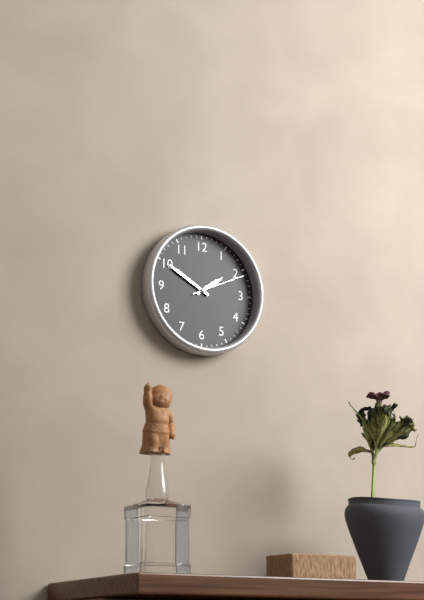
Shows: 1 h 50 min 11 s
